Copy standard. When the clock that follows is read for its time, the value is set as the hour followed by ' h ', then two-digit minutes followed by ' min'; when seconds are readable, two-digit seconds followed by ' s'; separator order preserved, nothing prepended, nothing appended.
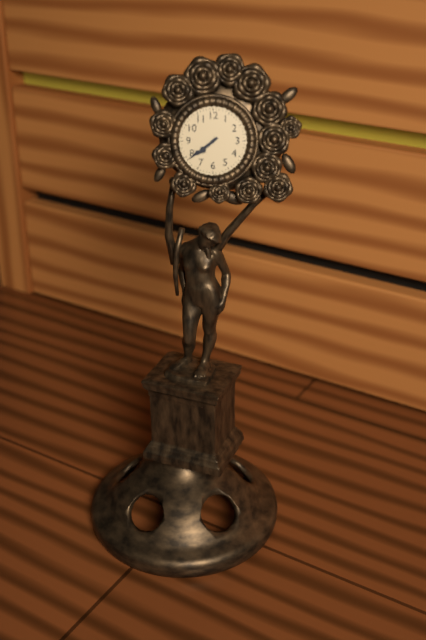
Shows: 7 h 39 min
